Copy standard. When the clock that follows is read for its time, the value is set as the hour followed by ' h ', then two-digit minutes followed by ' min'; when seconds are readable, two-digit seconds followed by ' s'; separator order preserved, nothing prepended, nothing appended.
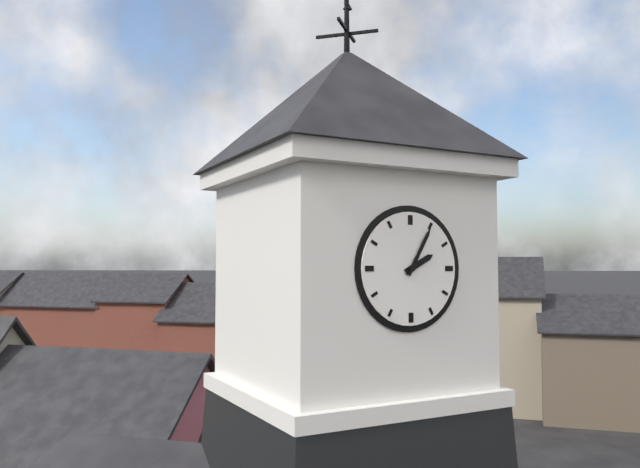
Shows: 2 h 05 min
